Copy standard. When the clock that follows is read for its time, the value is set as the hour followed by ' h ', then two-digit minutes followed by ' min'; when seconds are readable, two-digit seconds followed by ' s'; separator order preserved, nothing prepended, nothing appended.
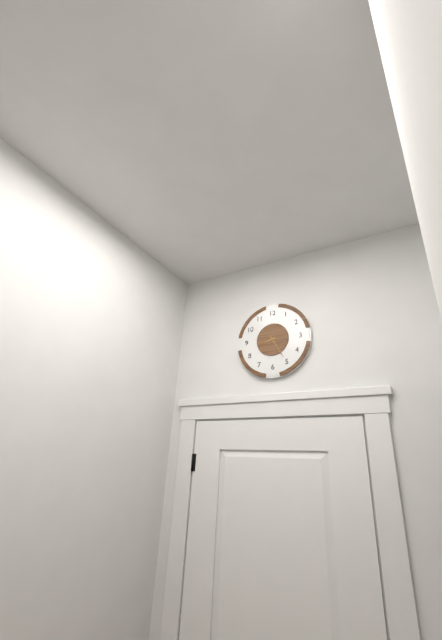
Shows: 8 h 25 min
